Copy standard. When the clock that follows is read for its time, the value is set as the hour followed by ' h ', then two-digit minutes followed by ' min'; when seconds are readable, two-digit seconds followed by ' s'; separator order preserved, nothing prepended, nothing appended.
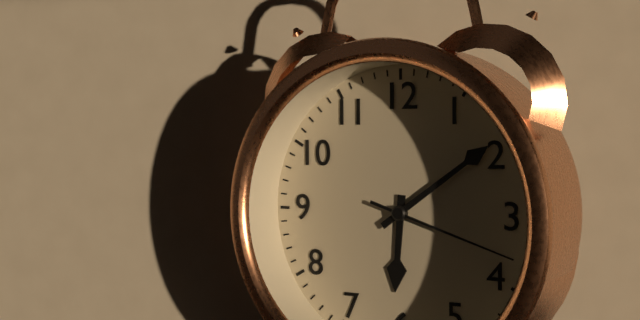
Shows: 6 h 09 min 18 s
